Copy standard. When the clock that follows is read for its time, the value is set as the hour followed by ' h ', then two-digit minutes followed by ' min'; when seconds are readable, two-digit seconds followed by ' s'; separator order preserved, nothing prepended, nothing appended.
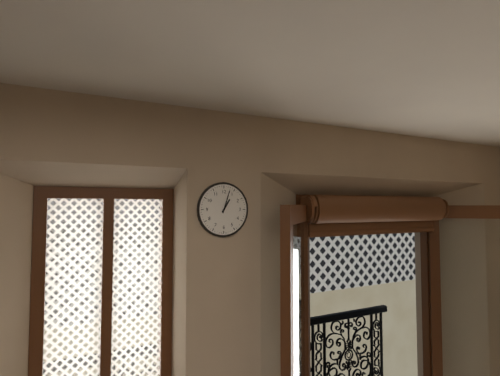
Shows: 1 h 03 min
